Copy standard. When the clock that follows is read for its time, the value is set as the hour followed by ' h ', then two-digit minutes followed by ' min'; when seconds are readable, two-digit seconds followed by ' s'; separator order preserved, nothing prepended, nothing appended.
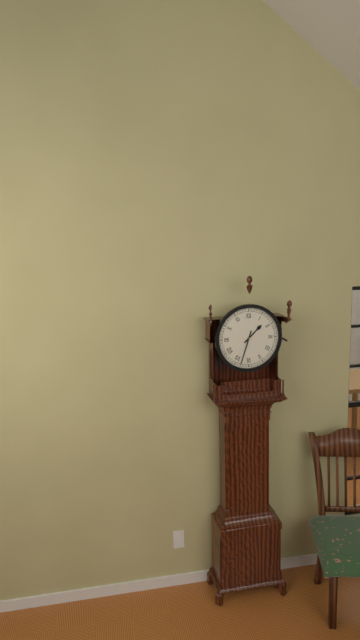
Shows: 1 h 33 min
